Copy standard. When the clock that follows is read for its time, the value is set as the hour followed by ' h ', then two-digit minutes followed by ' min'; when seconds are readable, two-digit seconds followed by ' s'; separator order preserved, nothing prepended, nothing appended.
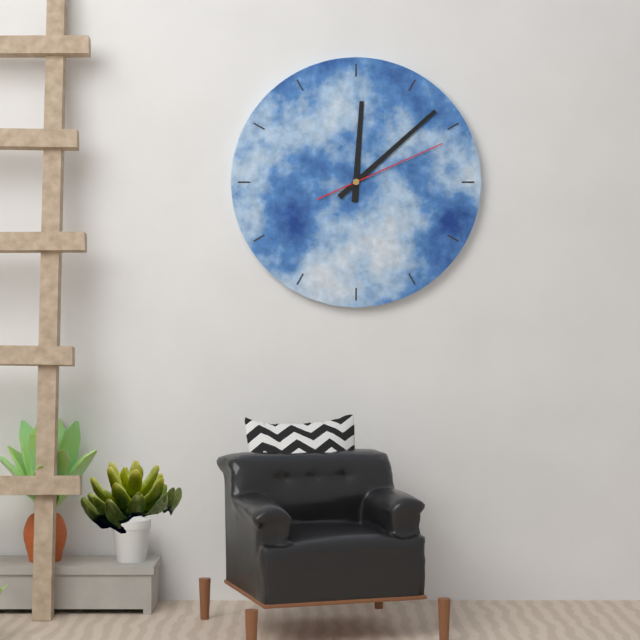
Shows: 12 h 08 min 11 s
